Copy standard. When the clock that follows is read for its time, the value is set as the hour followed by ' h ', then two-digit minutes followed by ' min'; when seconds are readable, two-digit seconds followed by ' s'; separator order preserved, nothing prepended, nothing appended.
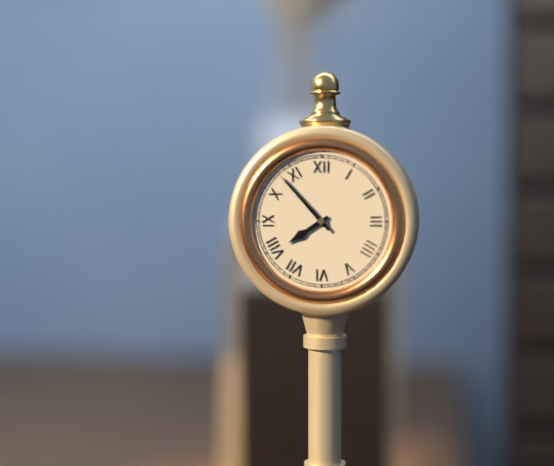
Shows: 7 h 53 min
